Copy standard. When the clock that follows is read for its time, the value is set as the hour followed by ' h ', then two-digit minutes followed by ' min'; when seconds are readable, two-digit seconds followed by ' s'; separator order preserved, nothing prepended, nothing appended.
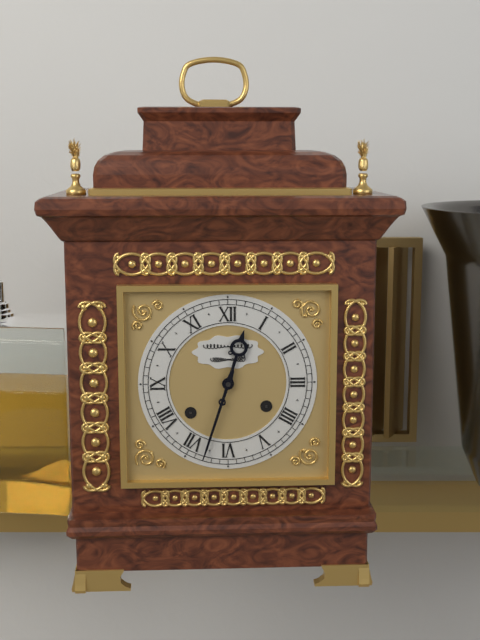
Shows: 12 h 33 min
